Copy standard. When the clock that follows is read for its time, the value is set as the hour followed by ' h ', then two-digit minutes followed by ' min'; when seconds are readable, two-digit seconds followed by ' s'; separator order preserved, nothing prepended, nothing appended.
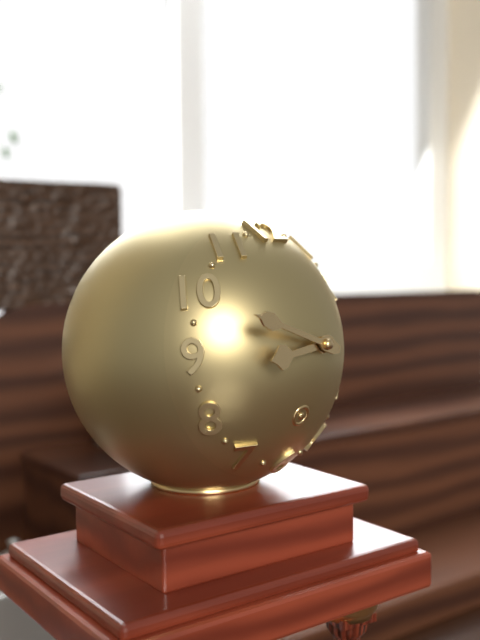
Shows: 8 h 48 min
